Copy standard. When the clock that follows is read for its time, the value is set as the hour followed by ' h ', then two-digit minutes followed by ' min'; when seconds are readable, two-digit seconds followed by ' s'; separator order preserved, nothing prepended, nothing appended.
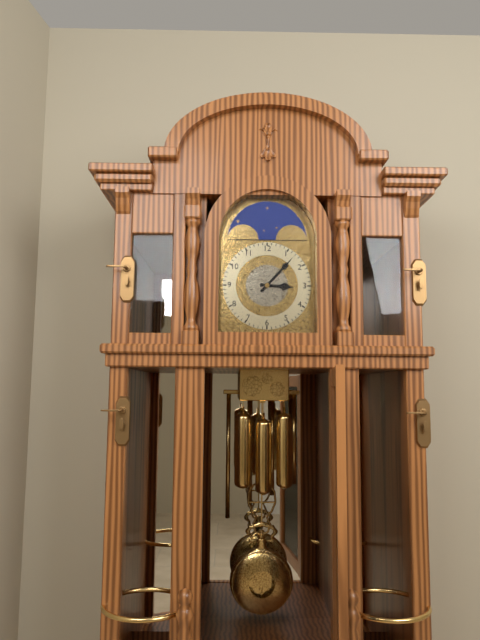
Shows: 3 h 07 min
